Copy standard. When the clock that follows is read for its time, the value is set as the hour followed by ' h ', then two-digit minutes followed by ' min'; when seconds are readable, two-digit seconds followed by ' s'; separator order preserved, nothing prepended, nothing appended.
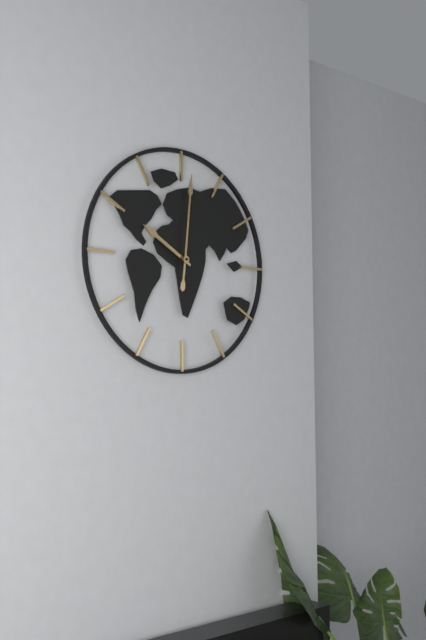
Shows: 10 h 01 min
